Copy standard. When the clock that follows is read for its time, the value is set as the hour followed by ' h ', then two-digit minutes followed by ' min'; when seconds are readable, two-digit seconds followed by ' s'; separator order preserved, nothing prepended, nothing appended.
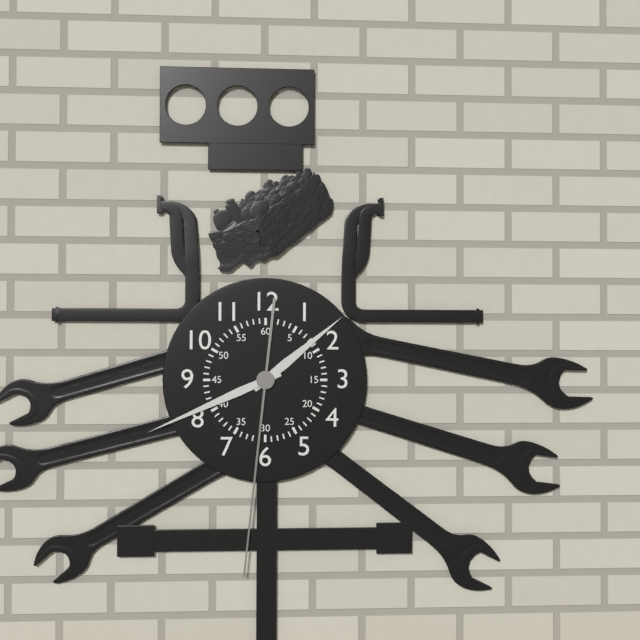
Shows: 1 h 41 min 31 s
